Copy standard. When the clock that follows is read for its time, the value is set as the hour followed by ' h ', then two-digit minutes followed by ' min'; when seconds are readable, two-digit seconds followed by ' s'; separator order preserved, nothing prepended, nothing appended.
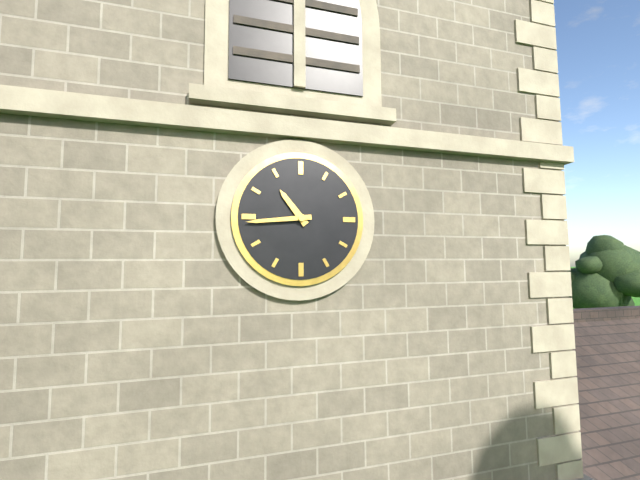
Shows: 10 h 44 min
